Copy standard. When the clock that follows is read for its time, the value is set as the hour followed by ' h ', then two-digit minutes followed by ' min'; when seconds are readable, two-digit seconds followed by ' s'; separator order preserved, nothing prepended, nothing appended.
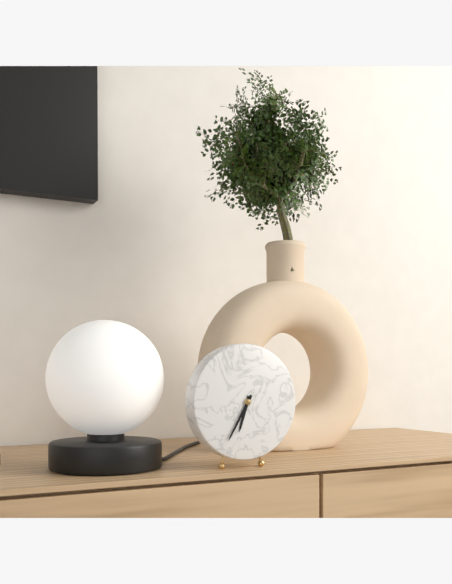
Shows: 6 h 35 min
